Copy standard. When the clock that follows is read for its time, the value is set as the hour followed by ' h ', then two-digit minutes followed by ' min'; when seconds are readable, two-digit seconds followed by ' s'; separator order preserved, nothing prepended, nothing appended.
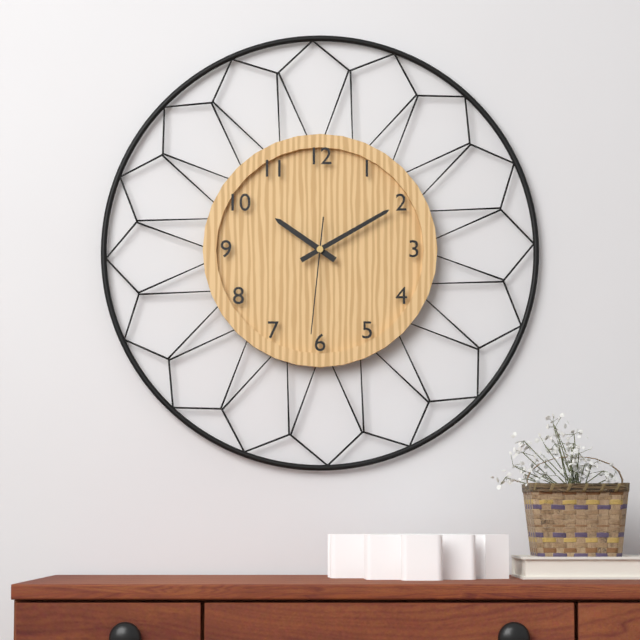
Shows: 10 h 10 min 31 s
